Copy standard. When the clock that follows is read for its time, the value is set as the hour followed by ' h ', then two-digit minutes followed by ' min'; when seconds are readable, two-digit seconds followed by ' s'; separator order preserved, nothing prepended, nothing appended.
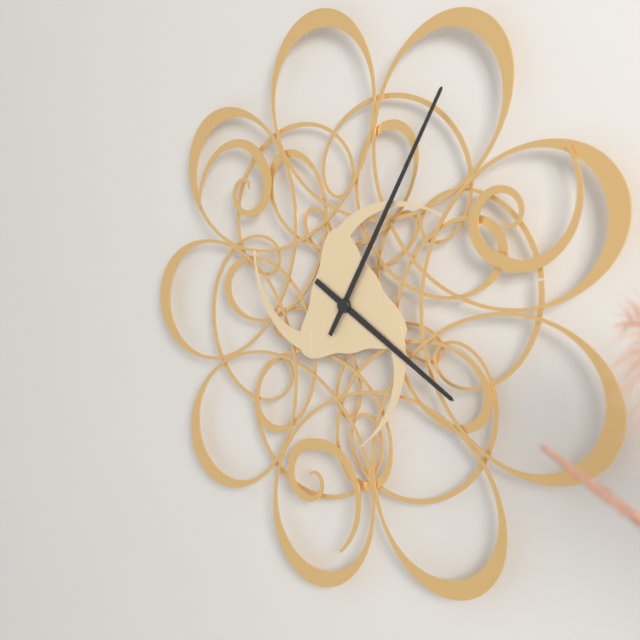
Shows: 4 h 05 min
